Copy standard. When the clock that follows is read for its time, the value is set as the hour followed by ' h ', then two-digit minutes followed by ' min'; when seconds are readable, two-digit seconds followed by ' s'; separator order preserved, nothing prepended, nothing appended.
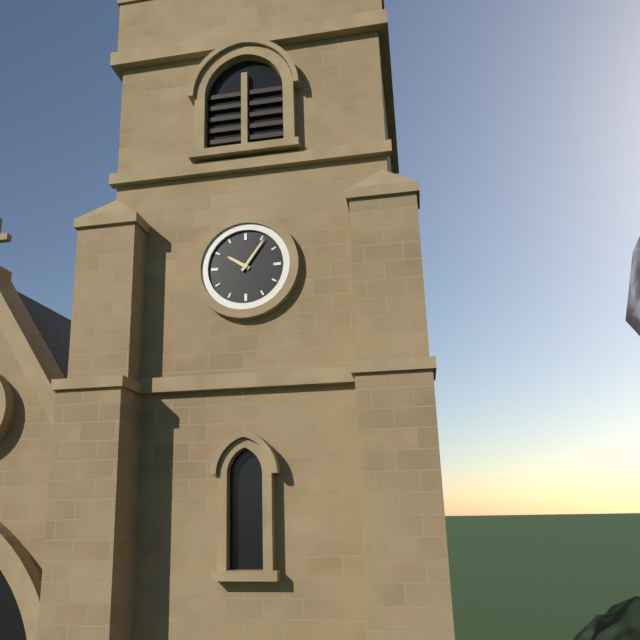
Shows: 10 h 06 min
